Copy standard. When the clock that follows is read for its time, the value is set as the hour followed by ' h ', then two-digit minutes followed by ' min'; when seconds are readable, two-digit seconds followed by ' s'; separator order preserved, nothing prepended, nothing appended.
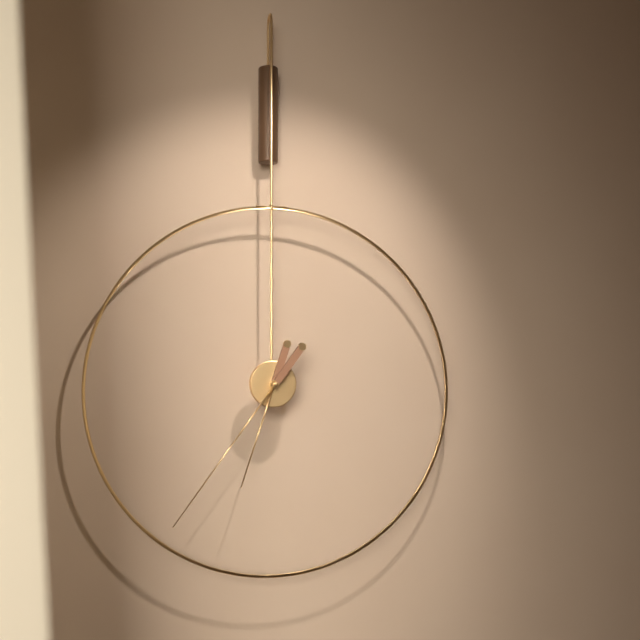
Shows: 6 h 36 min
